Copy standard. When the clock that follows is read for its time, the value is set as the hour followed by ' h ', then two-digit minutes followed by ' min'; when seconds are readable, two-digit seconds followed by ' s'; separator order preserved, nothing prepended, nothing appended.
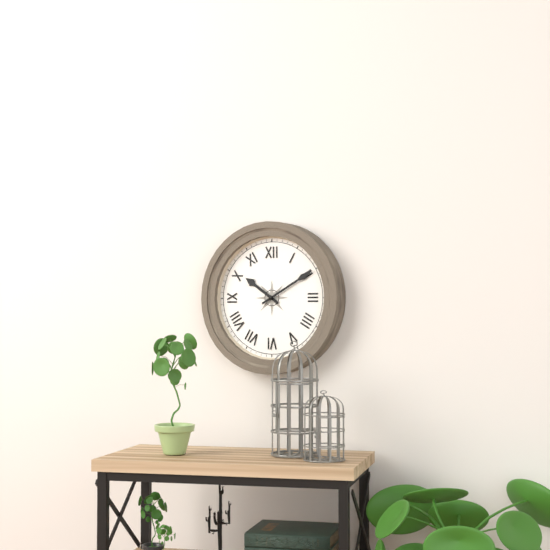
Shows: 10 h 10 min
